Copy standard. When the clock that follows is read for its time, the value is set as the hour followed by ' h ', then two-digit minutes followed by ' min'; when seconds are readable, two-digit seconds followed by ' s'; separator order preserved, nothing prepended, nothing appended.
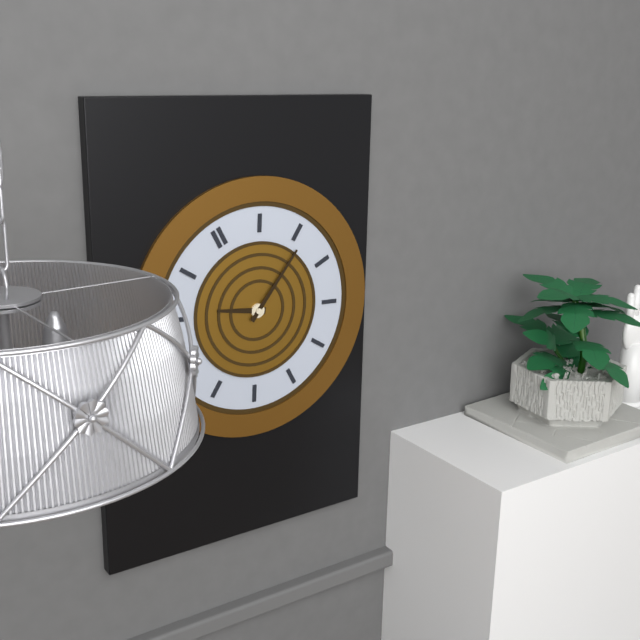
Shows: 10 h 11 min
